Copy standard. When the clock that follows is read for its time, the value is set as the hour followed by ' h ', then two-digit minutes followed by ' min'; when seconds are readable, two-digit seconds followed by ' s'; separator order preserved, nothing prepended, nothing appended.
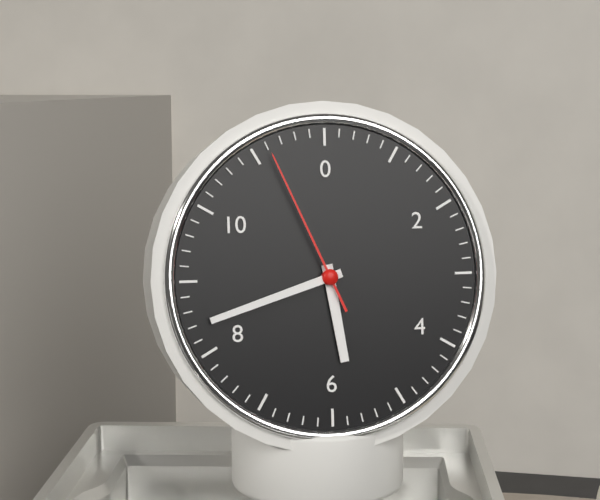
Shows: 5 h 42 min 56 s
